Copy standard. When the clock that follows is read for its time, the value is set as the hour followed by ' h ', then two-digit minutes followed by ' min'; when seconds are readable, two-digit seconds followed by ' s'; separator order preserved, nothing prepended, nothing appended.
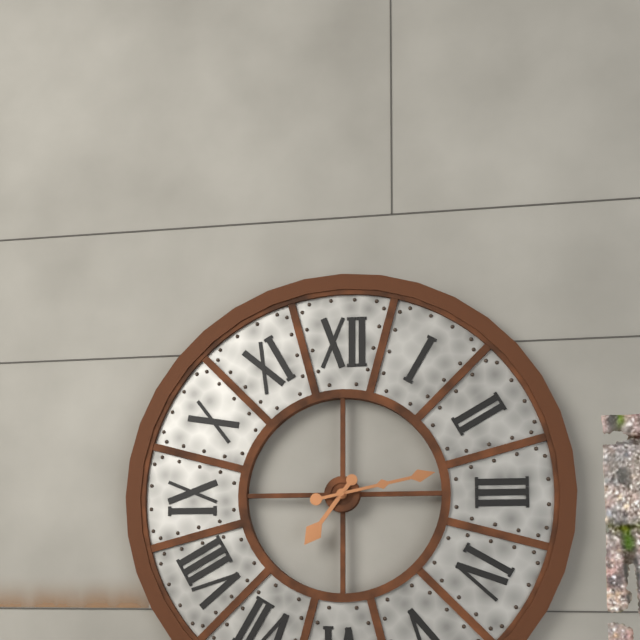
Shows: 7 h 13 min
